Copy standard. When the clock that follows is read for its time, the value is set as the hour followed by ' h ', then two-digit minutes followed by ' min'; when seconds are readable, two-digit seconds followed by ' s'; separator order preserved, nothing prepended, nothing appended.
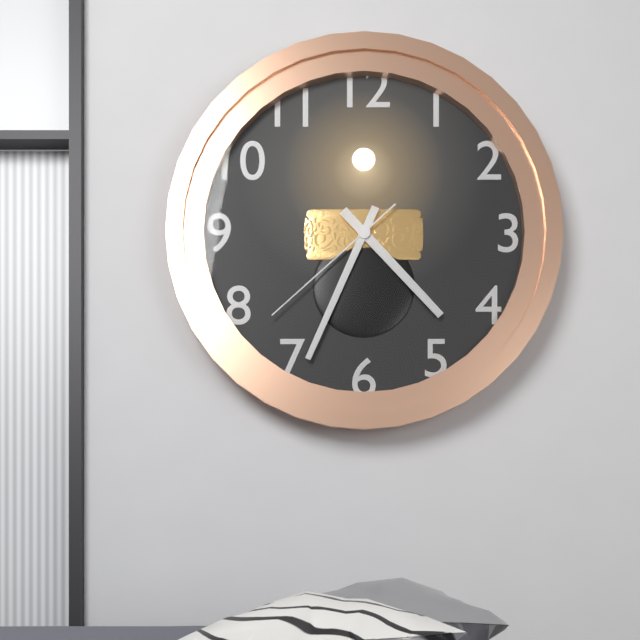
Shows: 4 h 34 min 38 s
